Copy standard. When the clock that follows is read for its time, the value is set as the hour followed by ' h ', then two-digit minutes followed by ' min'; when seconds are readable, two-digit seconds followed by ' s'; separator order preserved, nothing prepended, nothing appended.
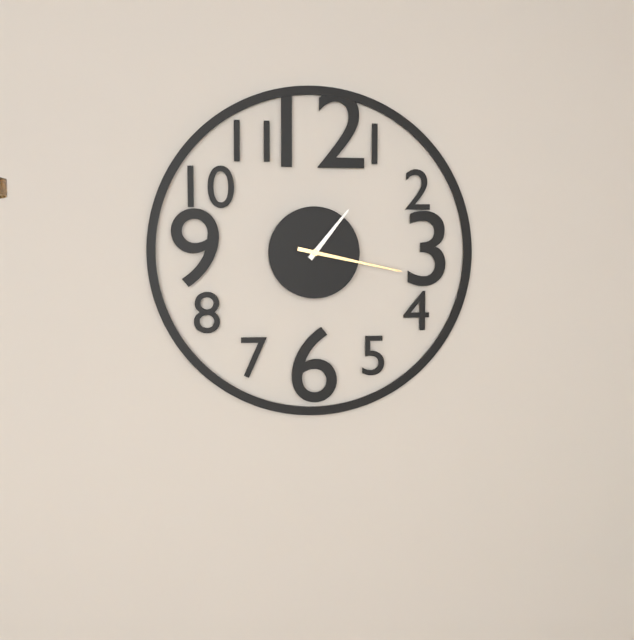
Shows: 1 h 17 min
